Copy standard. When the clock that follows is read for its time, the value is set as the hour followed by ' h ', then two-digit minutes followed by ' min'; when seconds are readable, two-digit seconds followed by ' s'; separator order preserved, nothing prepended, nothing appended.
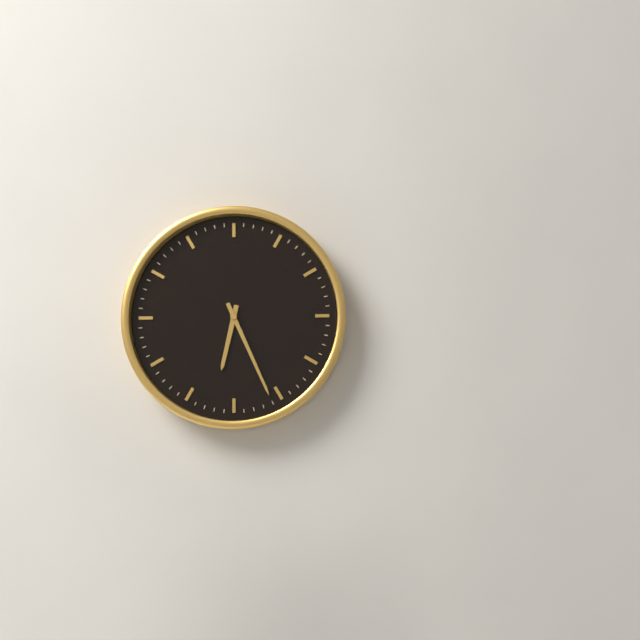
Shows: 6 h 26 min
